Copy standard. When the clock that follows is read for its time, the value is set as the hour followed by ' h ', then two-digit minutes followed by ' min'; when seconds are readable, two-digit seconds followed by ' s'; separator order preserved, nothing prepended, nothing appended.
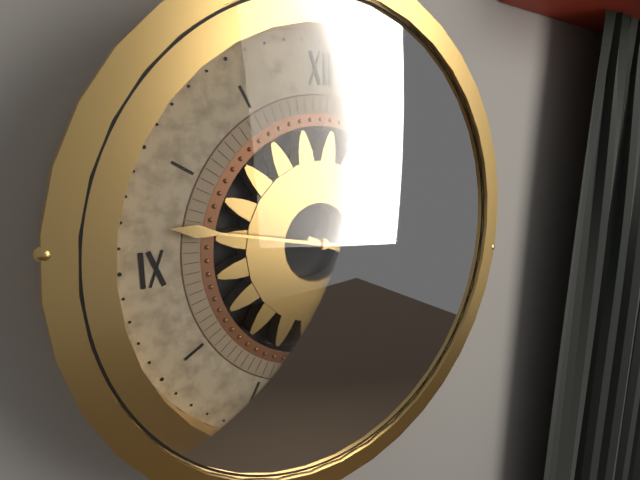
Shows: 3 h 47 min
